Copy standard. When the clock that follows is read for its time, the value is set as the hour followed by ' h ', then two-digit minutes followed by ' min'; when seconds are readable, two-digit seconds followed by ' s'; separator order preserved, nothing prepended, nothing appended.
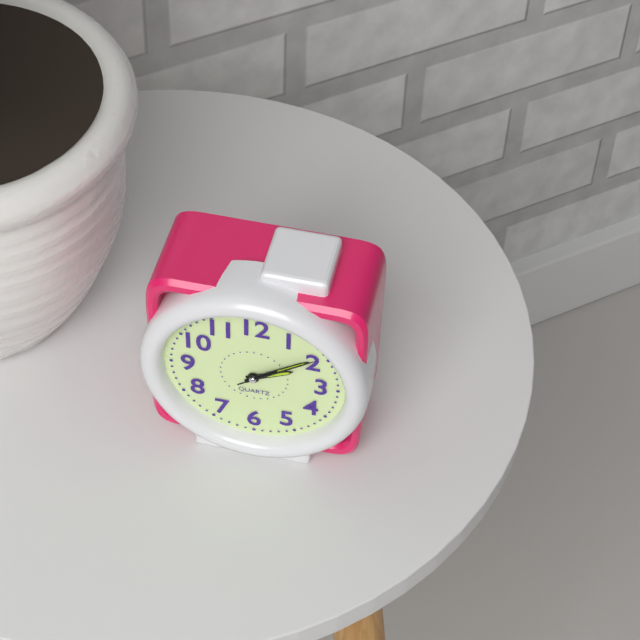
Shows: 2 h 09 min 09 s
